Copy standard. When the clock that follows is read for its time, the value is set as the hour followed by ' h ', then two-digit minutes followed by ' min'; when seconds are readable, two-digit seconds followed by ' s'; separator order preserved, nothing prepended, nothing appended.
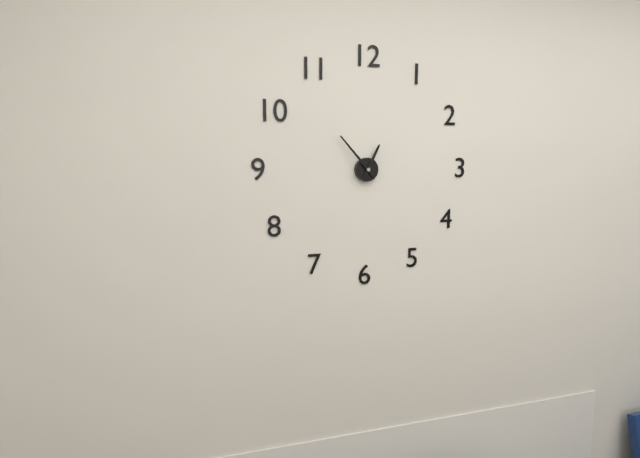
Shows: 12 h 53 min
